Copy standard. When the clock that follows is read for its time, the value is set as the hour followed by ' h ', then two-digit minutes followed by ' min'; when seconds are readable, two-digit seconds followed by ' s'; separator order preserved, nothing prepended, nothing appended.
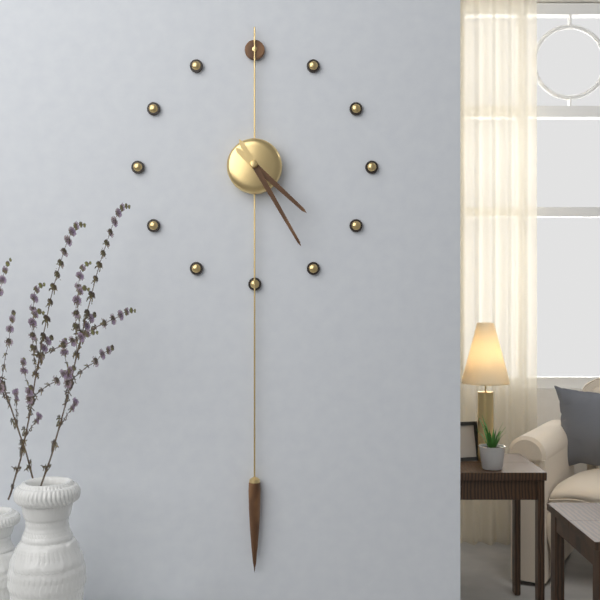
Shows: 4 h 25 min
